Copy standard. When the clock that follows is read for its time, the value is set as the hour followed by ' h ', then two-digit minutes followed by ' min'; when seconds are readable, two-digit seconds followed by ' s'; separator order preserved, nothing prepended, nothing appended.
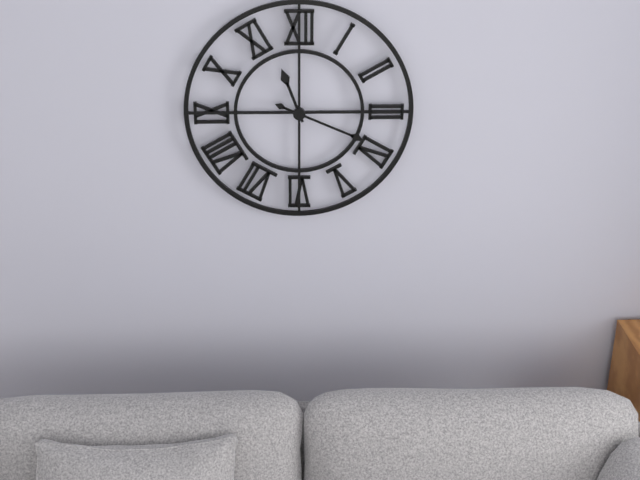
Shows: 11 h 19 min
